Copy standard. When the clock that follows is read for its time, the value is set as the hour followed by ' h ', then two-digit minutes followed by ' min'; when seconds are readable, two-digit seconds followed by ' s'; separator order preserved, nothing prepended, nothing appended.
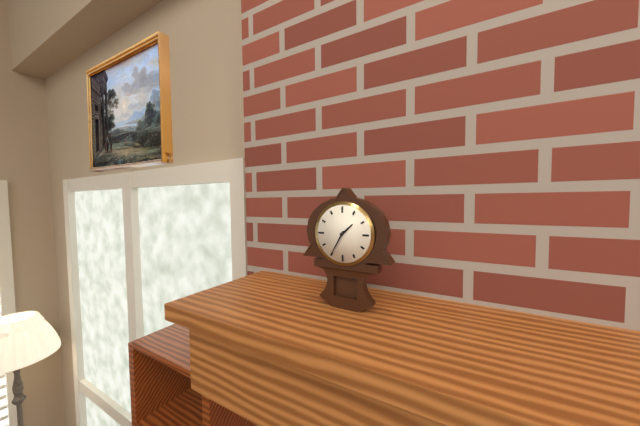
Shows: 1 h 35 min
